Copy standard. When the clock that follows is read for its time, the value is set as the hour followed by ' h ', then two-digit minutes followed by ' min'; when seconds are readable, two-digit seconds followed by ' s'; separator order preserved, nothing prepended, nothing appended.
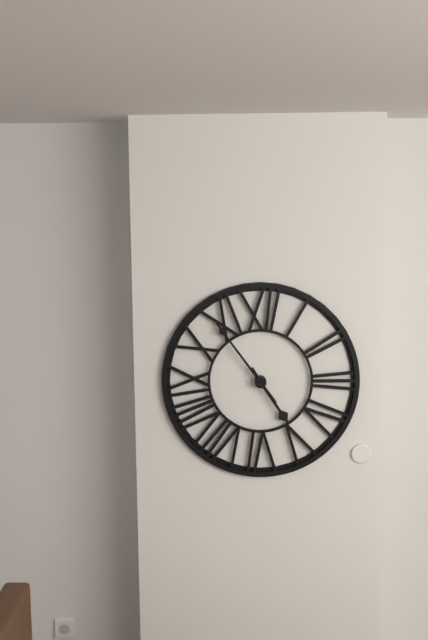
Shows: 4 h 54 min
